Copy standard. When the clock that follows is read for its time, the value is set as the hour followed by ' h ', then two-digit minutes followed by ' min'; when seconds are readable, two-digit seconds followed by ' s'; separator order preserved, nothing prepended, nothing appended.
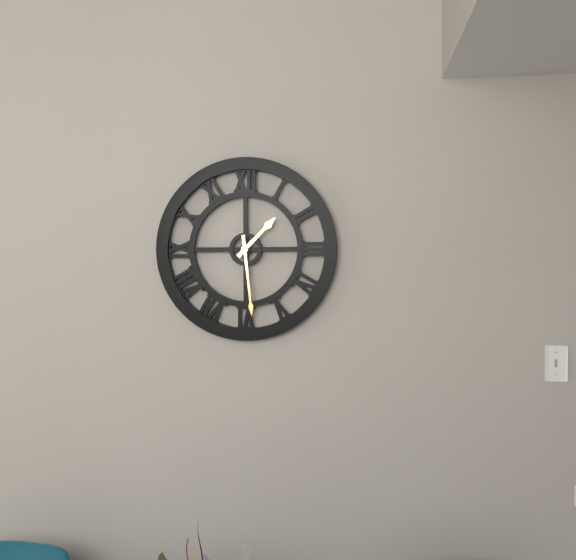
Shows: 1 h 29 min
